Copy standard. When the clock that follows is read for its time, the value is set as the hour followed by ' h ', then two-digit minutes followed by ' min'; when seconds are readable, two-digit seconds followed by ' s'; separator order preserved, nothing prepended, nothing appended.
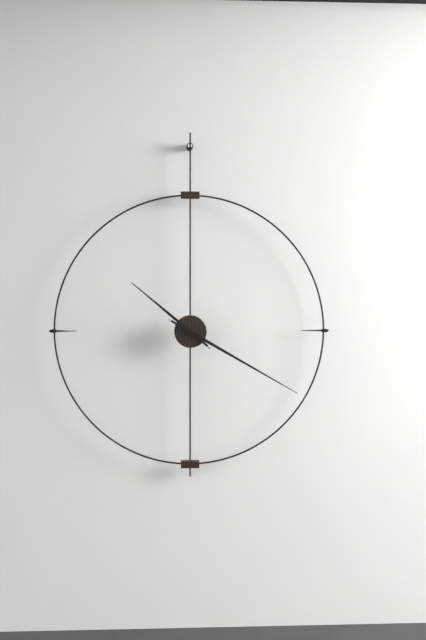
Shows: 10 h 20 min
